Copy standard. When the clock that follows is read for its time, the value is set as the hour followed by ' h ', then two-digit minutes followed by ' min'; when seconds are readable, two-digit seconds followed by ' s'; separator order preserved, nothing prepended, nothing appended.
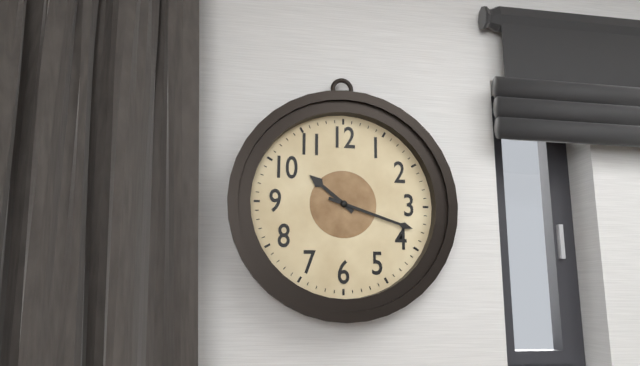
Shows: 10 h 18 min
